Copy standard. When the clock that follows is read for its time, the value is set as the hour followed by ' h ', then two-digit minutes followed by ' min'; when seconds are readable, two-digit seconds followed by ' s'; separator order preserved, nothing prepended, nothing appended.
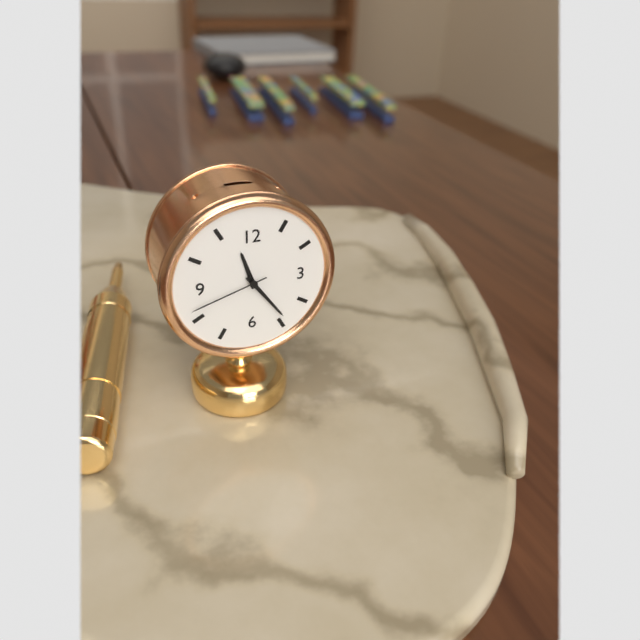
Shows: 11 h 24 min 42 s
